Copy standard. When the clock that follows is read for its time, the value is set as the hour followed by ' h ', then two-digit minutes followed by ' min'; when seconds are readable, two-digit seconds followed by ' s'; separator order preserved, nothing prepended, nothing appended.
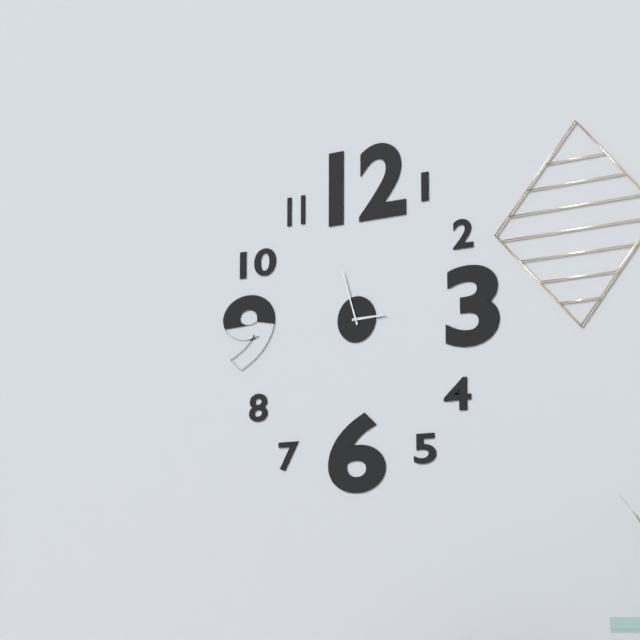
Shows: 2 h 57 min
